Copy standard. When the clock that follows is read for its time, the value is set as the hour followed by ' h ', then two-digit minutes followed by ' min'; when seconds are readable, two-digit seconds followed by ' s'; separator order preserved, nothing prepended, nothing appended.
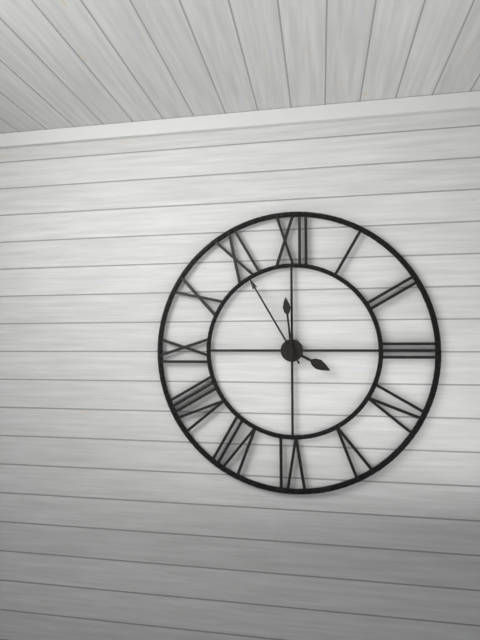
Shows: 3 h 55 min 59 s
